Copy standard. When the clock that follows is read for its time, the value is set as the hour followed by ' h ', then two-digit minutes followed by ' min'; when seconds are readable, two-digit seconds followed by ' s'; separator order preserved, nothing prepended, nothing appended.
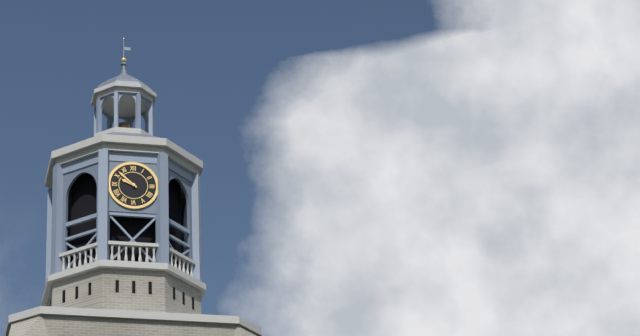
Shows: 9 h 52 min
